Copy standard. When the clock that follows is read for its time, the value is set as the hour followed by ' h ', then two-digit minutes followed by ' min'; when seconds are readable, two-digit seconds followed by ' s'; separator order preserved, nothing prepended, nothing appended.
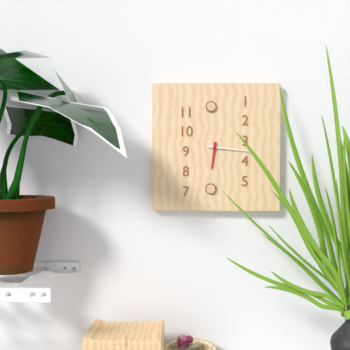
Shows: 6 h 16 min
